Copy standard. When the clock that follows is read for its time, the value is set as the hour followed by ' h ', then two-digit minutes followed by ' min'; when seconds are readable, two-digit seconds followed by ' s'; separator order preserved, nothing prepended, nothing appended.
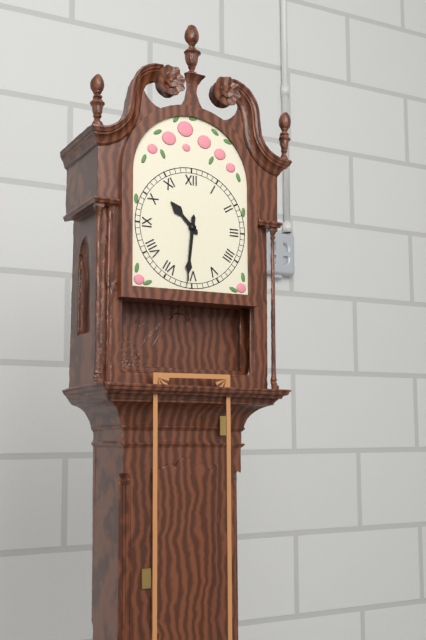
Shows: 10 h 31 min
